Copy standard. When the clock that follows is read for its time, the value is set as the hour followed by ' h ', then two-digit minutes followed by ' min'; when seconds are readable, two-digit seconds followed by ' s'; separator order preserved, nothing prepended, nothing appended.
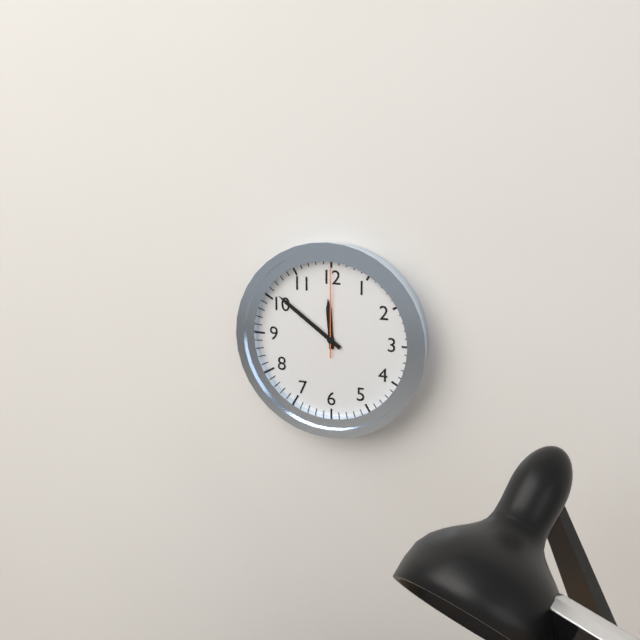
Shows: 11 h 51 min 00 s
